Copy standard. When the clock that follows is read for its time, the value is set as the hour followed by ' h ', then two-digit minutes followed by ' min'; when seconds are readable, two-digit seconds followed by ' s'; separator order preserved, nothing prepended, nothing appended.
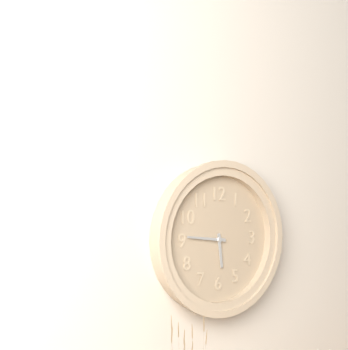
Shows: 5 h 46 min
